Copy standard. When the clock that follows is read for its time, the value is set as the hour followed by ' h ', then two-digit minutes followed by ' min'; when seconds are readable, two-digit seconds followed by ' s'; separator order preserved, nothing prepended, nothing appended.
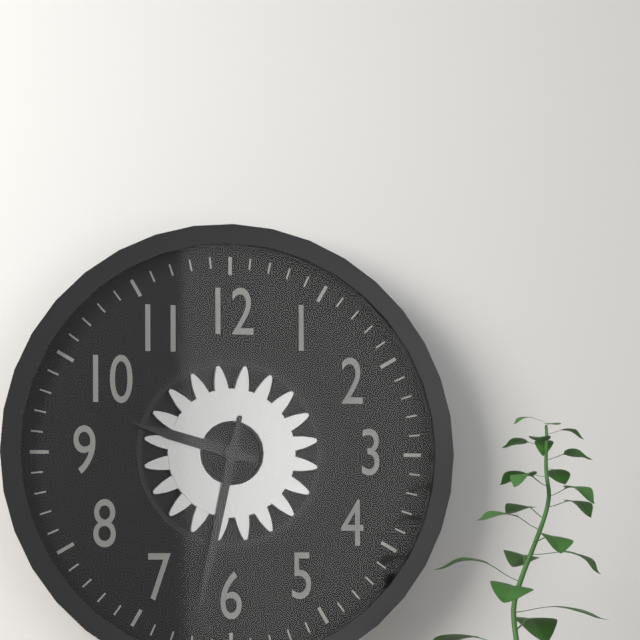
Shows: 9 h 32 min
